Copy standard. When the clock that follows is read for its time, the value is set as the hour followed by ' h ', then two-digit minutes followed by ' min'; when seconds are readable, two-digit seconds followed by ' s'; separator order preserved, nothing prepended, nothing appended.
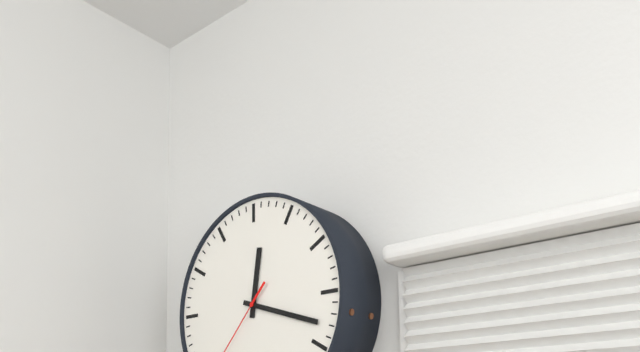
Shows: 12 h 18 min
